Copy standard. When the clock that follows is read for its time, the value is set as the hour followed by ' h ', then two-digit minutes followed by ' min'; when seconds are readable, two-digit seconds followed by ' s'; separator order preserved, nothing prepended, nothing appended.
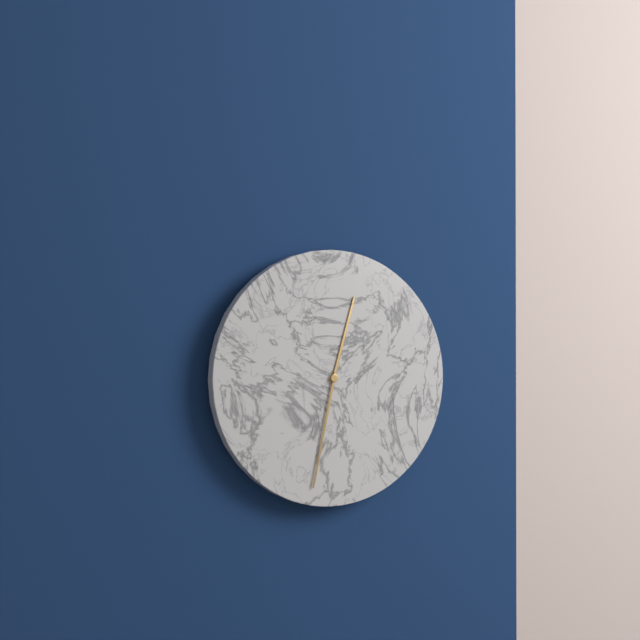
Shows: 12 h 32 min
